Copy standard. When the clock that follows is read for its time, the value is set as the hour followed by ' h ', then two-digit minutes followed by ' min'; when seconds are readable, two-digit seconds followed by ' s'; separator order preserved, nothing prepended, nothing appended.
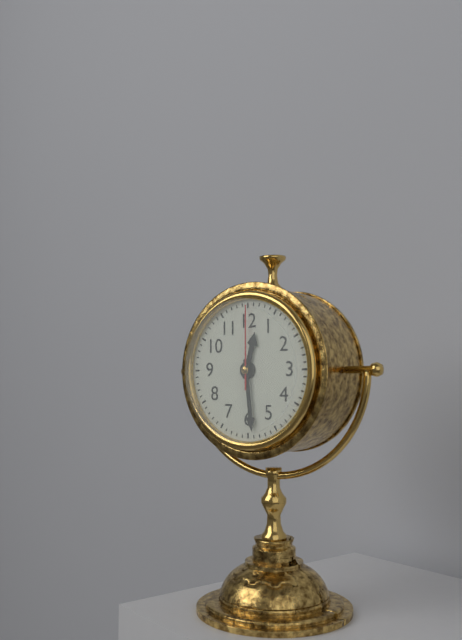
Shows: 12 h 29 min 00 s
